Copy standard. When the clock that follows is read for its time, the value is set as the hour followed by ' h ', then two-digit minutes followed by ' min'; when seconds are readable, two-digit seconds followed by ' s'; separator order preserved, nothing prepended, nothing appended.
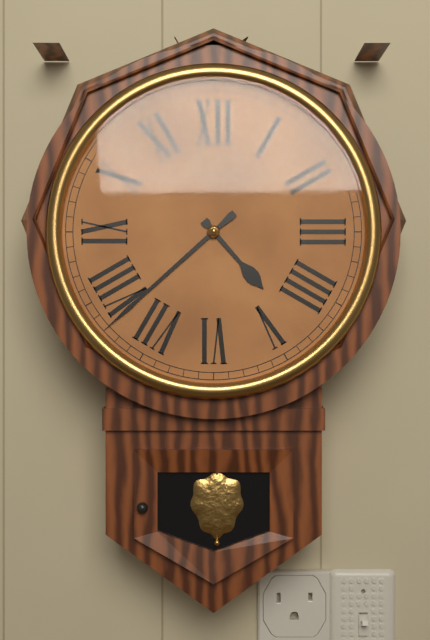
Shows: 4 h 38 min
